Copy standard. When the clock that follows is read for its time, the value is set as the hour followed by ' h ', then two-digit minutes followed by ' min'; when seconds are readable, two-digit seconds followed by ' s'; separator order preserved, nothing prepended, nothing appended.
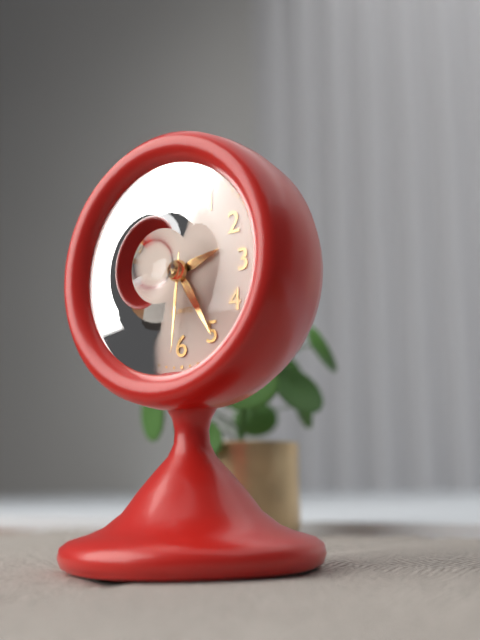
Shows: 2 h 25 min 31 s
